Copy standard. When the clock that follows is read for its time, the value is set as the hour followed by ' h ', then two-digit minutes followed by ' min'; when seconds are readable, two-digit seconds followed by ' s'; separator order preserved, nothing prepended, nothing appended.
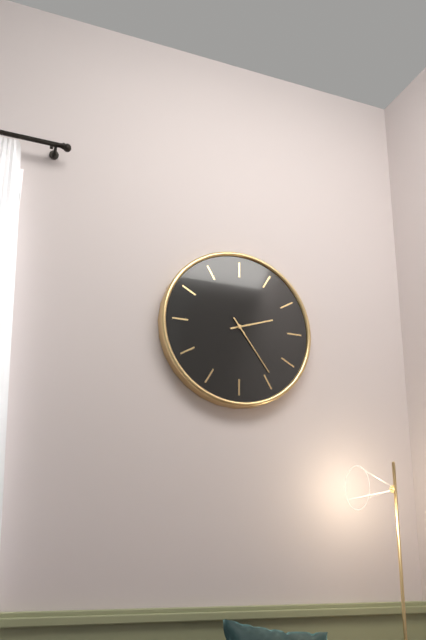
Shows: 2 h 24 min
